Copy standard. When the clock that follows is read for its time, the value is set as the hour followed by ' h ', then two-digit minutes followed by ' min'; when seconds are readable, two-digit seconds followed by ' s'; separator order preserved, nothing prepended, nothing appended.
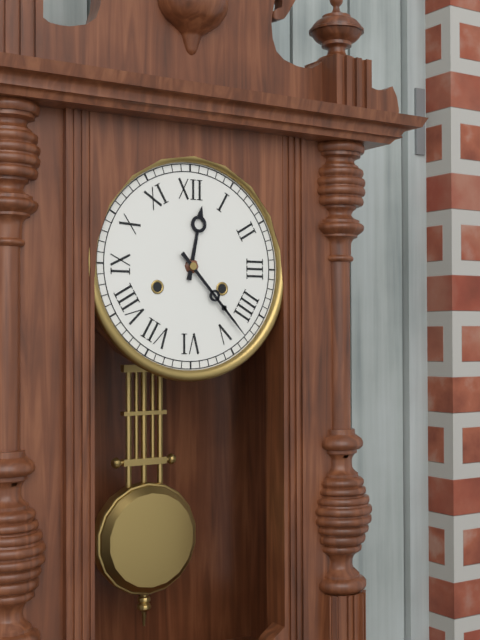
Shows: 12 h 23 min
